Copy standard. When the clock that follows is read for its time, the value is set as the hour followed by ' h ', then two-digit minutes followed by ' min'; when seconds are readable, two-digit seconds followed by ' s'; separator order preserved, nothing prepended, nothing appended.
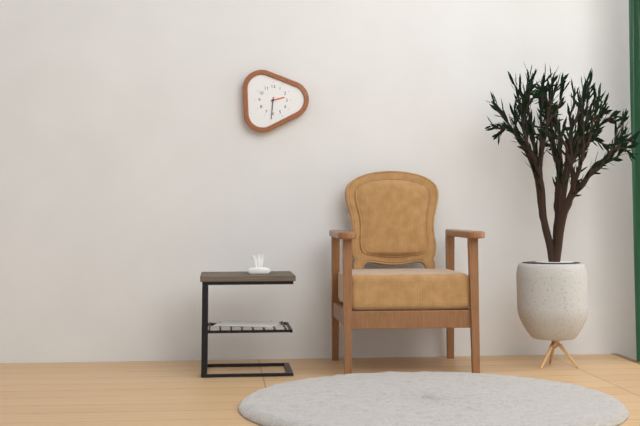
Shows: 2 h 31 min
